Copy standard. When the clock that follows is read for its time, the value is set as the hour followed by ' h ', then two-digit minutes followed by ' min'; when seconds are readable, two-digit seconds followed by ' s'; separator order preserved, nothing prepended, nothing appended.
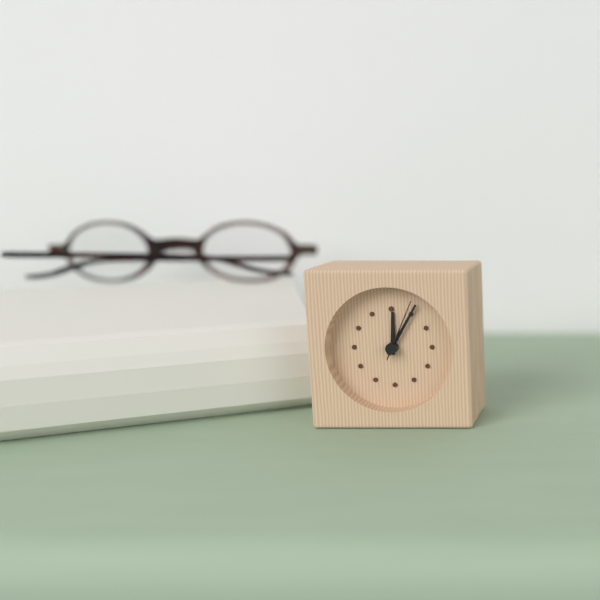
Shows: 12 h 05 min 04 s
